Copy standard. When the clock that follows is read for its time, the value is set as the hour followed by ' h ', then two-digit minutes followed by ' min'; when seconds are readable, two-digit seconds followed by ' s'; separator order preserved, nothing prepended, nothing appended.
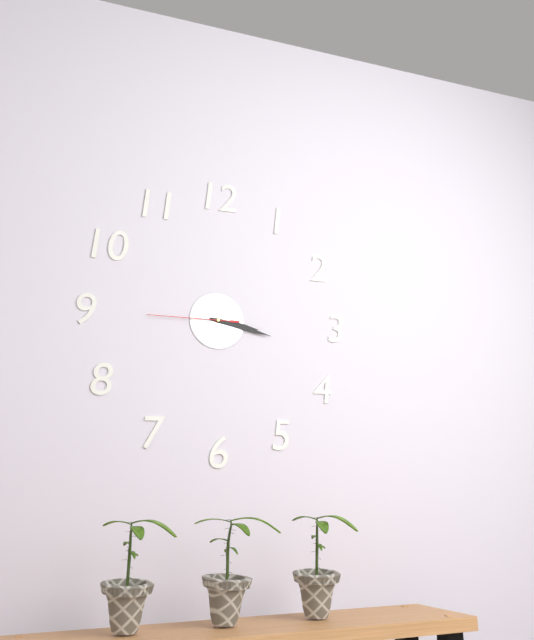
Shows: 3 h 17 min 45 s
